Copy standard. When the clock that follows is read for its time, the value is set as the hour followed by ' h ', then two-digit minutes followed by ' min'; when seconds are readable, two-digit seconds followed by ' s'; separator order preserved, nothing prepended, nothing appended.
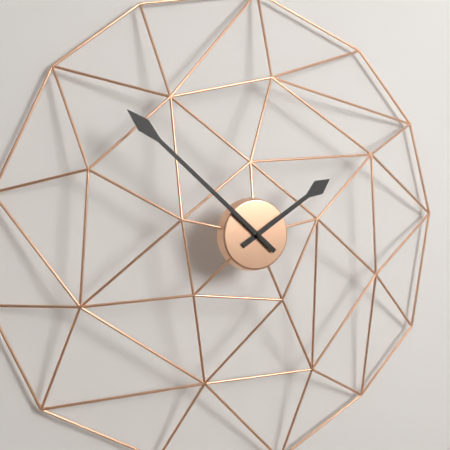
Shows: 1 h 52 min
